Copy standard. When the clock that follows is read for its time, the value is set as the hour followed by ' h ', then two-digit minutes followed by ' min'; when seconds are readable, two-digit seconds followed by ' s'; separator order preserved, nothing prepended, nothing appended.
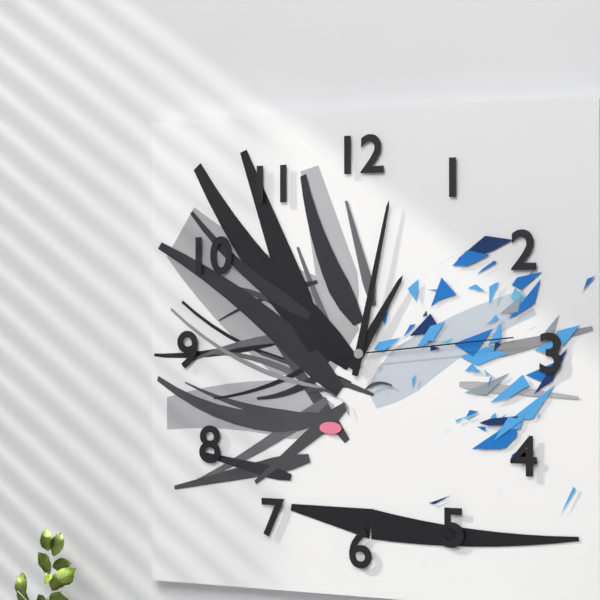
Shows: 1 h 02 min 14 s
